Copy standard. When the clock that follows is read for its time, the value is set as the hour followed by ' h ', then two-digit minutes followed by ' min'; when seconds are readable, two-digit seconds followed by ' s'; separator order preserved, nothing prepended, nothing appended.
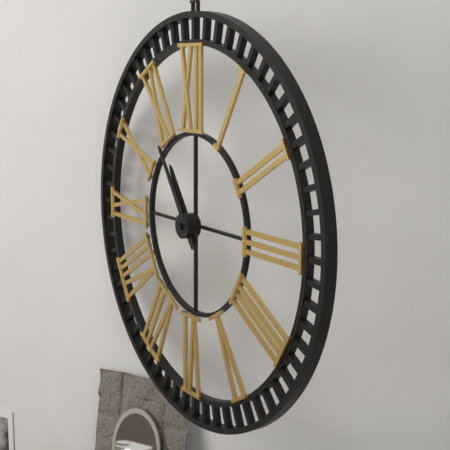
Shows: 10 h 54 min
